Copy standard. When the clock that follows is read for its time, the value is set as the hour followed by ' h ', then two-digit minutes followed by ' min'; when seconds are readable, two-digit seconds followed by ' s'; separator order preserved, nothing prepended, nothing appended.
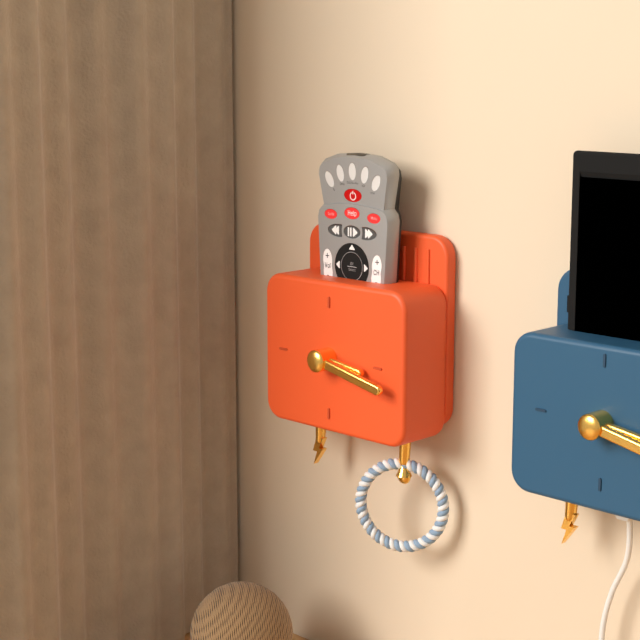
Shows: 3 h 17 min
